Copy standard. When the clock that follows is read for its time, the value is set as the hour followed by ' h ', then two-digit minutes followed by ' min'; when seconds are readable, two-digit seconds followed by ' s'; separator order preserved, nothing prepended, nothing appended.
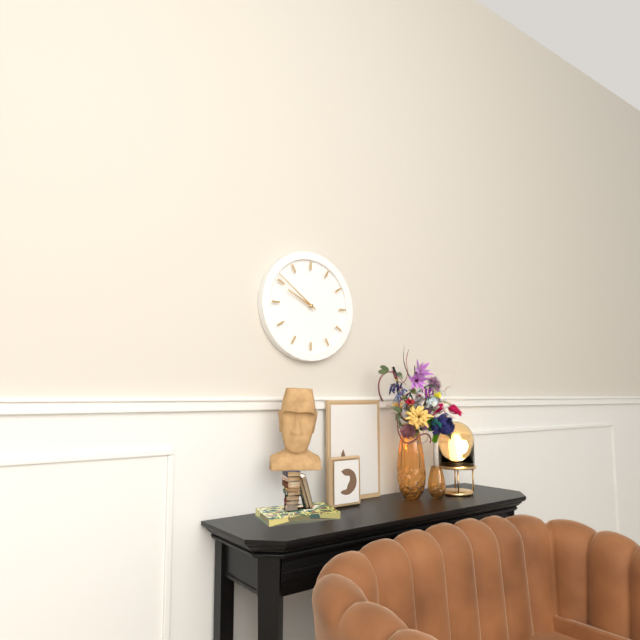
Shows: 9 h 51 min
